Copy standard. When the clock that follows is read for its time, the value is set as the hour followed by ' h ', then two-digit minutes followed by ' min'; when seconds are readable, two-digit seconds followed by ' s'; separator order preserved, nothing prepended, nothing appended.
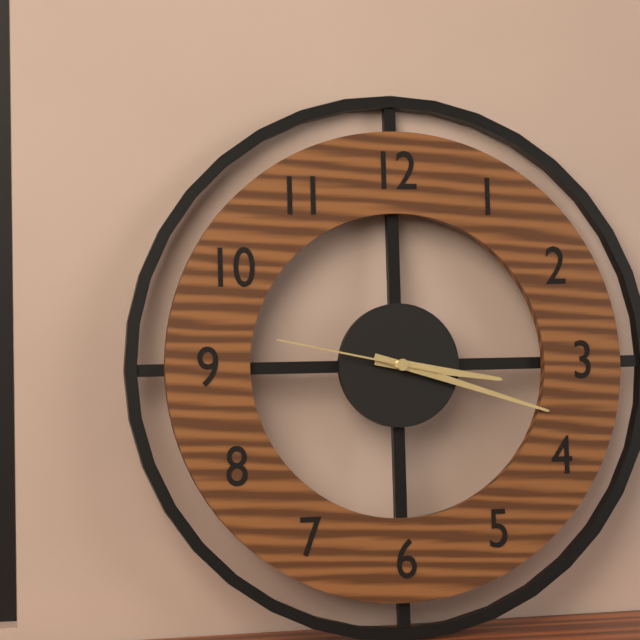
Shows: 3 h 18 min 47 s
